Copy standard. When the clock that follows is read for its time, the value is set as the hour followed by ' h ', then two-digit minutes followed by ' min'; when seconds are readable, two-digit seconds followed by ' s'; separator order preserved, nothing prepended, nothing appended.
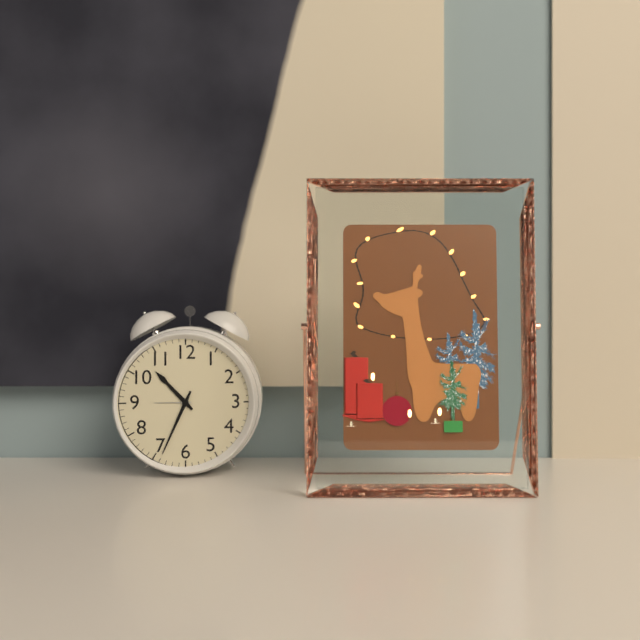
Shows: 10 h 34 min
